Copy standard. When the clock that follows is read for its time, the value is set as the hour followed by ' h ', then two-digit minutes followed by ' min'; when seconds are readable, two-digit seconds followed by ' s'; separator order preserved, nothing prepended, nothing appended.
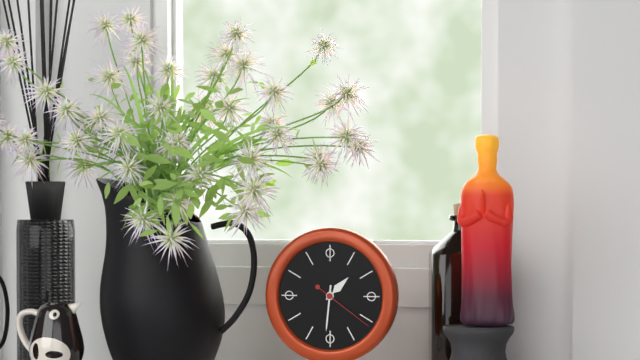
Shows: 1 h 31 min 21 s
